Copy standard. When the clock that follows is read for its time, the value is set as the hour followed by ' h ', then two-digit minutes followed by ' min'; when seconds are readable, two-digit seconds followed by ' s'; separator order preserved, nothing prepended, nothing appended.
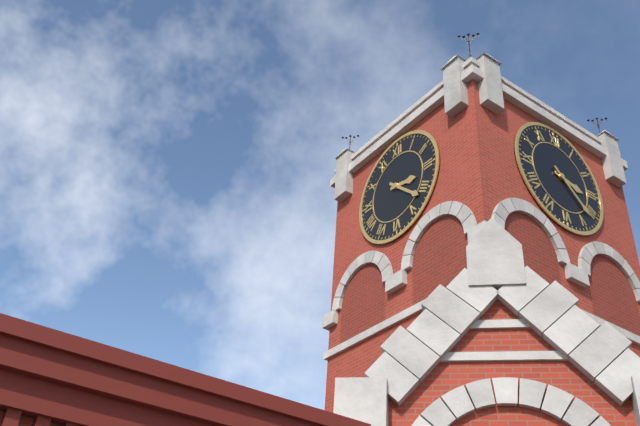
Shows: 3 h 22 min
